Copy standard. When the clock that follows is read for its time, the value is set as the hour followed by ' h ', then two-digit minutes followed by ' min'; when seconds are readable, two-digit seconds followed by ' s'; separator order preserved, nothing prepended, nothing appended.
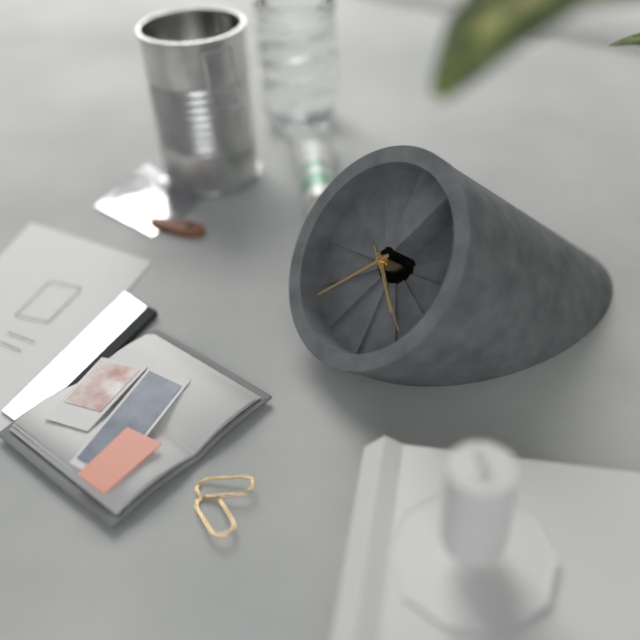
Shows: 3 h 33 min 17 s
